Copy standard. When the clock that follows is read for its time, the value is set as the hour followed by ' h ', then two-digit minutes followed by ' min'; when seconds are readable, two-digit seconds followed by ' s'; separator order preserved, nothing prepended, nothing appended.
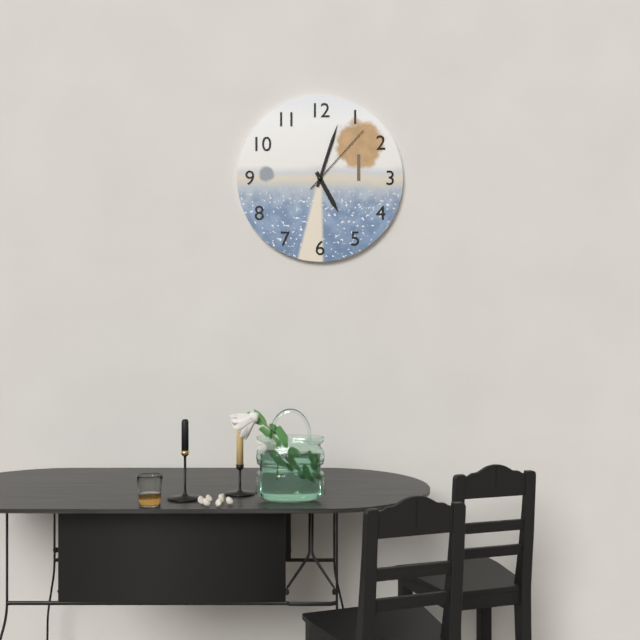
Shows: 5 h 03 min 07 s
